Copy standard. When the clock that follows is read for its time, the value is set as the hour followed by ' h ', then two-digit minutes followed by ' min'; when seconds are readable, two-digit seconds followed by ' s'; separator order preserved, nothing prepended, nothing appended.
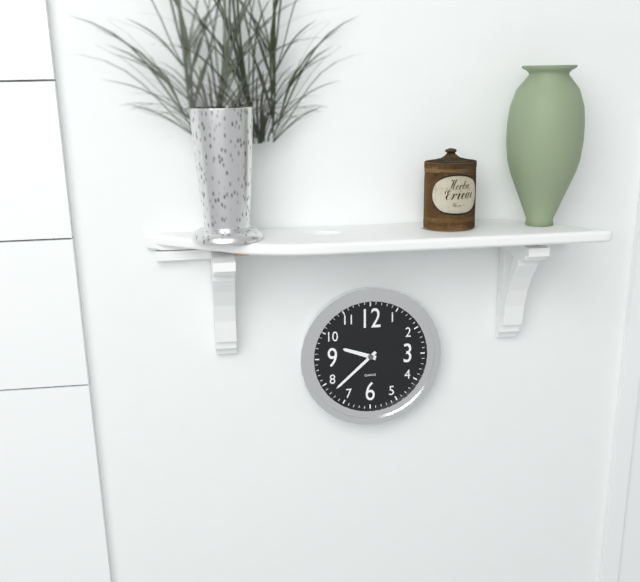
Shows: 9 h 38 min
